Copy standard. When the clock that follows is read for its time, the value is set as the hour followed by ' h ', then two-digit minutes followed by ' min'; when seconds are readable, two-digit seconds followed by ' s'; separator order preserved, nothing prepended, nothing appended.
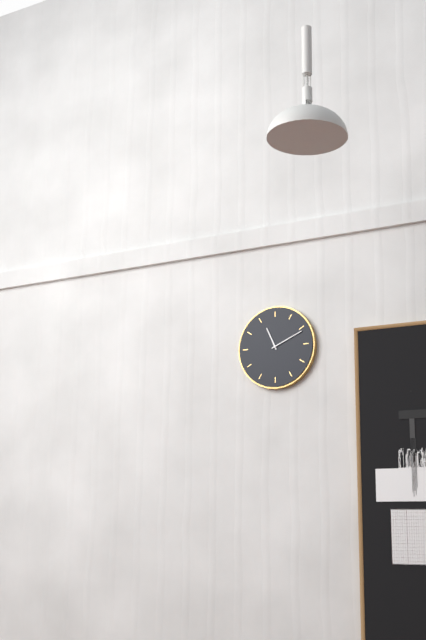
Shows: 11 h 11 min
